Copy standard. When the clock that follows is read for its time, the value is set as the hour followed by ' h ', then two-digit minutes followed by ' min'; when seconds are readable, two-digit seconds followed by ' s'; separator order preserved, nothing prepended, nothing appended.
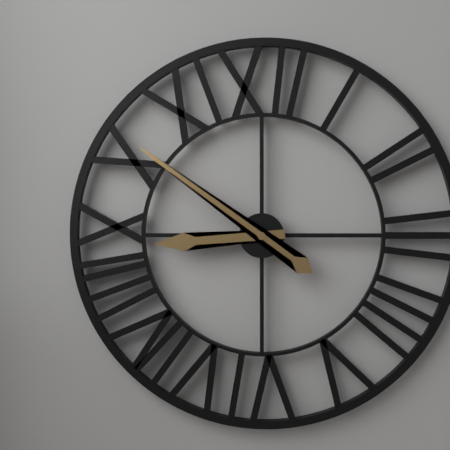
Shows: 8 h 51 min
